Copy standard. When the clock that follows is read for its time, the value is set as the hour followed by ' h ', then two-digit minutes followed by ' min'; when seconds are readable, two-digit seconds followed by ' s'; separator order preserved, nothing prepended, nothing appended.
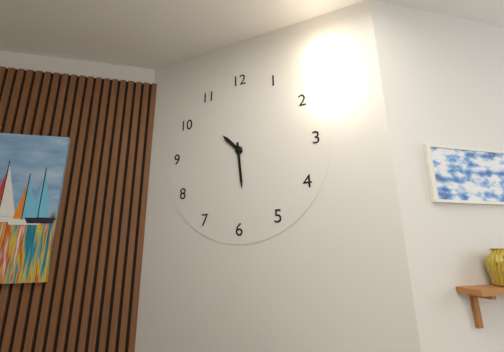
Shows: 10 h 29 min
